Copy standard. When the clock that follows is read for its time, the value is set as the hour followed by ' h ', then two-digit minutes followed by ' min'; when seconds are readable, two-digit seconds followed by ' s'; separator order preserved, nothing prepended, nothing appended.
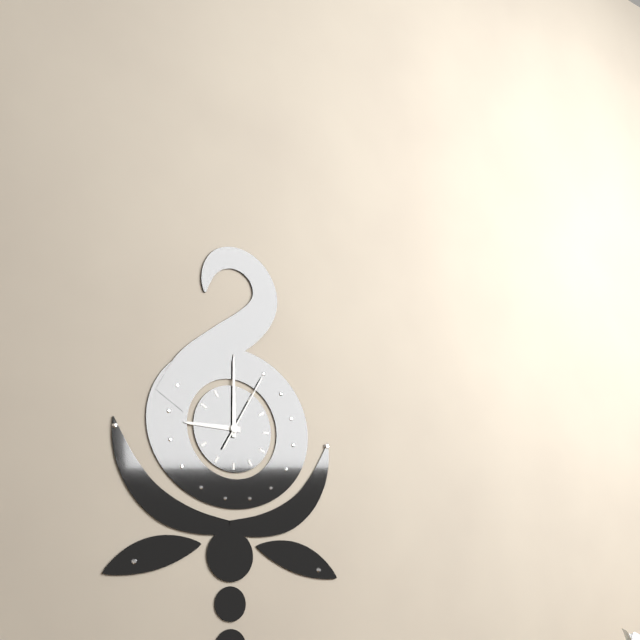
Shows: 9 h 00 min 05 s
